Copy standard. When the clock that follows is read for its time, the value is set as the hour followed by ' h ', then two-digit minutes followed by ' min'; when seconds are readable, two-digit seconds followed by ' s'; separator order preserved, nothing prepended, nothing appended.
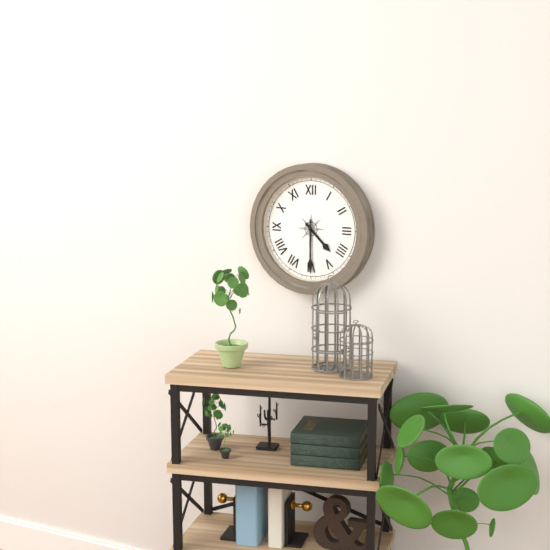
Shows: 4 h 30 min
